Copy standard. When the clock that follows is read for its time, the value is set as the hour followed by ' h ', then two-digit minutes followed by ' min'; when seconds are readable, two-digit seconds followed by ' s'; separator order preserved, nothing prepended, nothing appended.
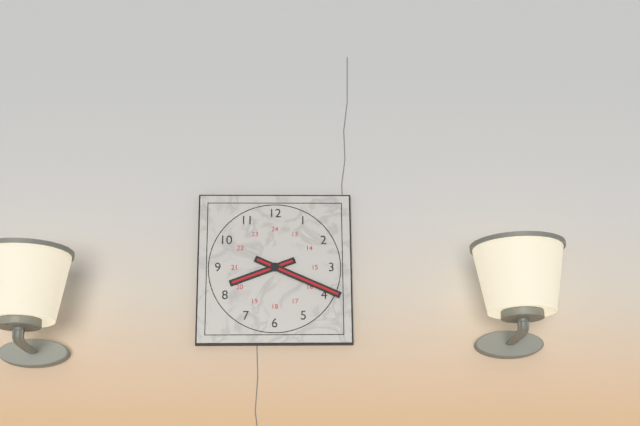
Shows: 8 h 19 min
